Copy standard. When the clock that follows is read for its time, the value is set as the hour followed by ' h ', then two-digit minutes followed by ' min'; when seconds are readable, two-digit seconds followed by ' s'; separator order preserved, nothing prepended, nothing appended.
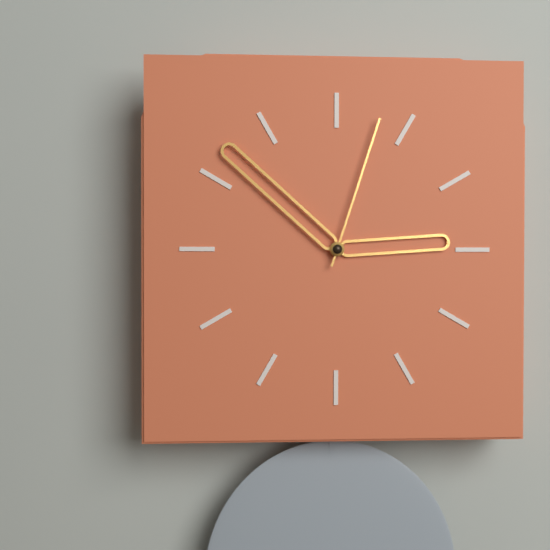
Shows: 2 h 52 min 03 s
